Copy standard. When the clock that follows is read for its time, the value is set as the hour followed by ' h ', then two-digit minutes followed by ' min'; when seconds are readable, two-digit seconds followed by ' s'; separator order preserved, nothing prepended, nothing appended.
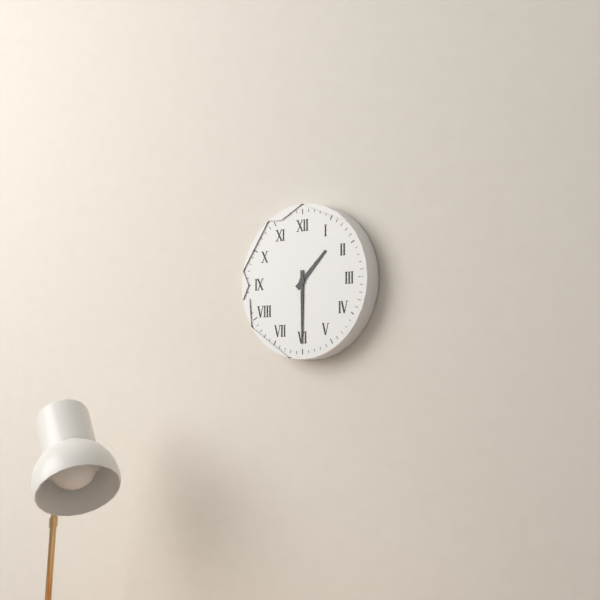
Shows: 1 h 30 min
